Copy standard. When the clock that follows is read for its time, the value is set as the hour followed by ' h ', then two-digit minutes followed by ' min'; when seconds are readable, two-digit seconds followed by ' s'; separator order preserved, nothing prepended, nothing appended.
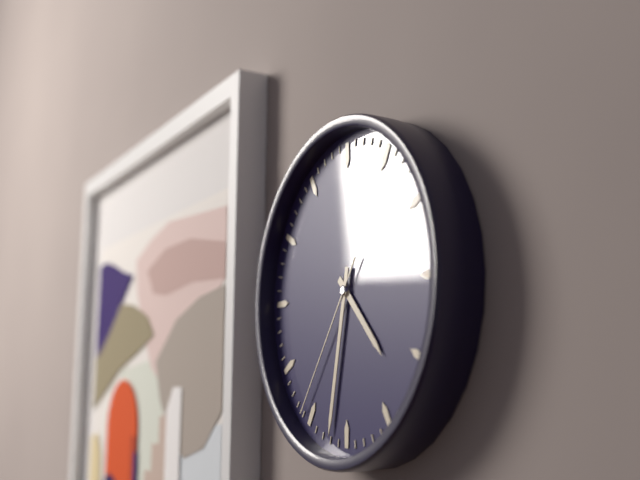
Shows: 4 h 32 min 36 s
